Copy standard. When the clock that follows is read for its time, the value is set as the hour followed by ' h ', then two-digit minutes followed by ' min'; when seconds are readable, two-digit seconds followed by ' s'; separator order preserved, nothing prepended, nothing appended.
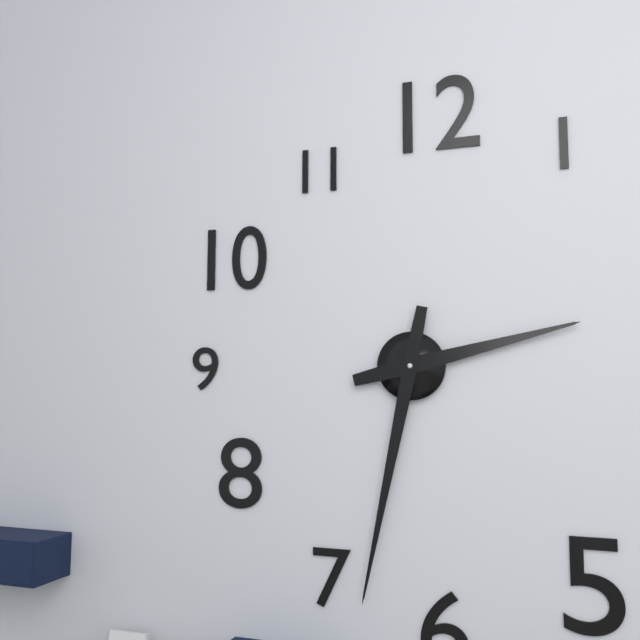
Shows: 2 h 32 min
